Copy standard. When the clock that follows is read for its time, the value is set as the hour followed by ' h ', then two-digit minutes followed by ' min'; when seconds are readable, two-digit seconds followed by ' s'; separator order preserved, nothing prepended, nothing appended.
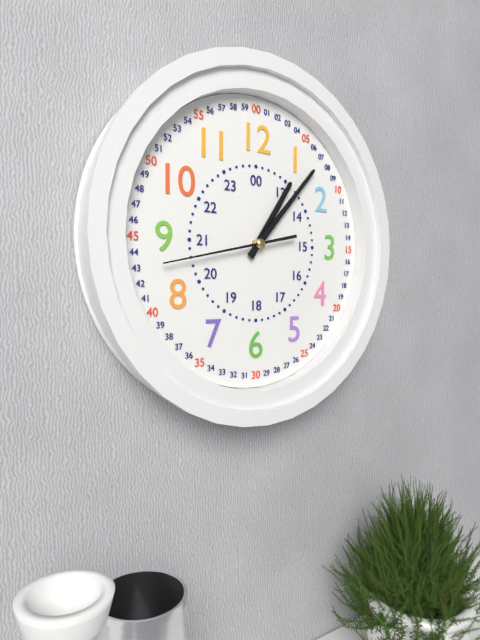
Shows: 1 h 07 min 43 s
